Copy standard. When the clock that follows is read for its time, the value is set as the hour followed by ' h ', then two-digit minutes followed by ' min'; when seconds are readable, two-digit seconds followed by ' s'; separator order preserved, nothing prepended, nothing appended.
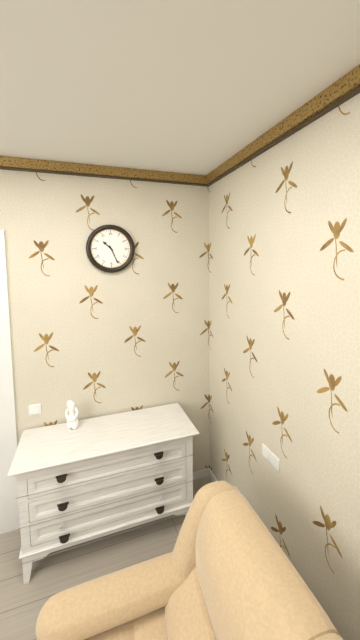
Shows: 10 h 26 min
